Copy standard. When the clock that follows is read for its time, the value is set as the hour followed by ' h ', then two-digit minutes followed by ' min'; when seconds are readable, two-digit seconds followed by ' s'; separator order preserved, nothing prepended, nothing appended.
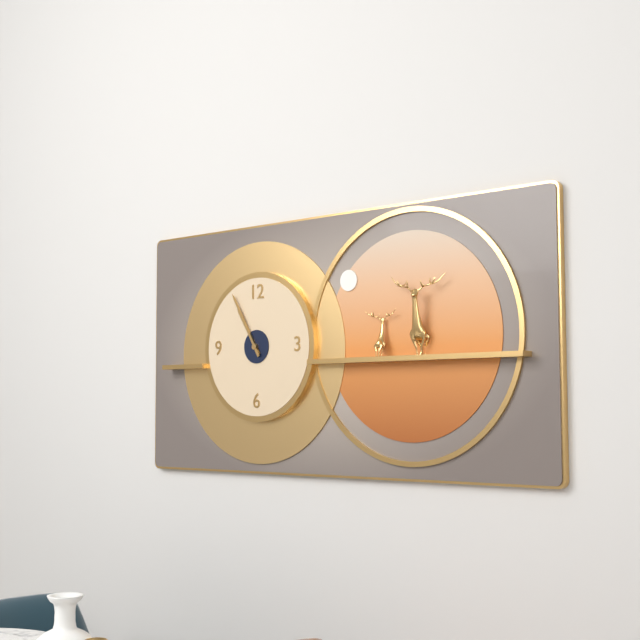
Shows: 10 h 55 min
